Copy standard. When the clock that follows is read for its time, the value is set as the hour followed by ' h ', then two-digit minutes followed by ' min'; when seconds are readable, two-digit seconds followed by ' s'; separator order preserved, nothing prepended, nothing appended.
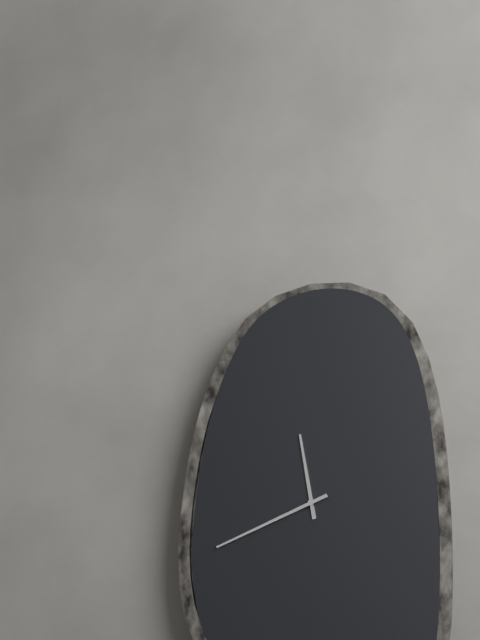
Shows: 11 h 41 min
